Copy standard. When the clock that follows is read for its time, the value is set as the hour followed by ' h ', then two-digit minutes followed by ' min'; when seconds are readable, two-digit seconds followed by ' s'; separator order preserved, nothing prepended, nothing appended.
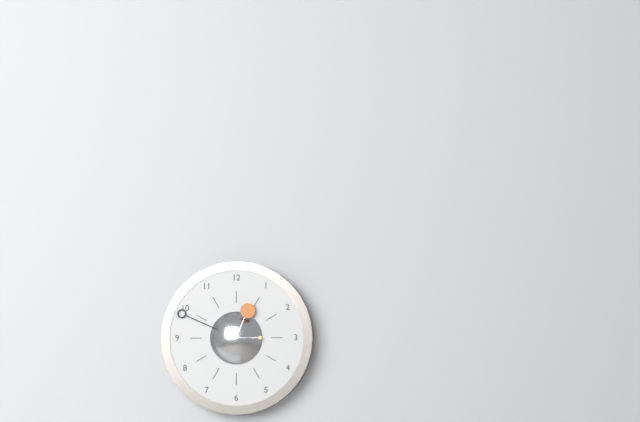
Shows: 12 h 49 min
